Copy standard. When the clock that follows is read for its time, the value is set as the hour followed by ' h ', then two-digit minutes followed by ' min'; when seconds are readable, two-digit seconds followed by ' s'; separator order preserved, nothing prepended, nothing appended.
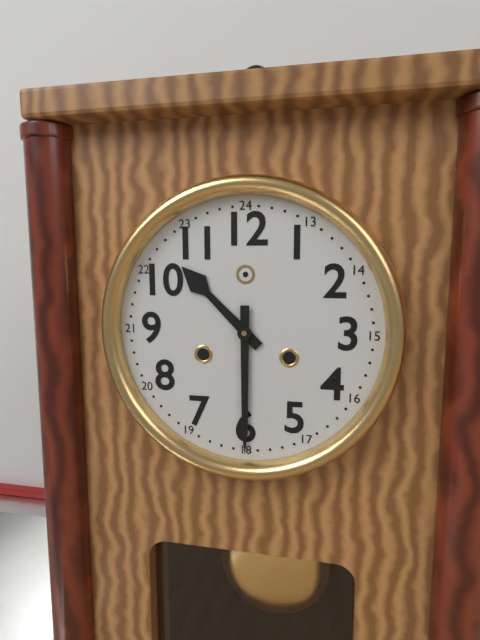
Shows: 10 h 30 min
